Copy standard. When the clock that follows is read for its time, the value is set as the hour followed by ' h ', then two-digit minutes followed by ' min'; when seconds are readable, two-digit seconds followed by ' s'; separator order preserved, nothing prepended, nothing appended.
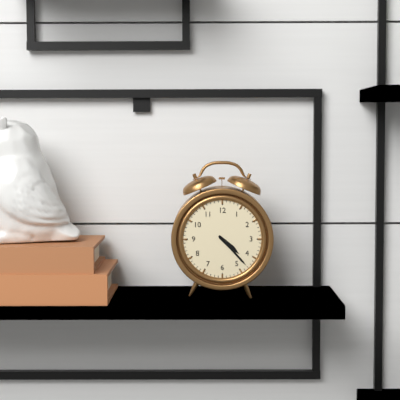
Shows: 4 h 23 min
